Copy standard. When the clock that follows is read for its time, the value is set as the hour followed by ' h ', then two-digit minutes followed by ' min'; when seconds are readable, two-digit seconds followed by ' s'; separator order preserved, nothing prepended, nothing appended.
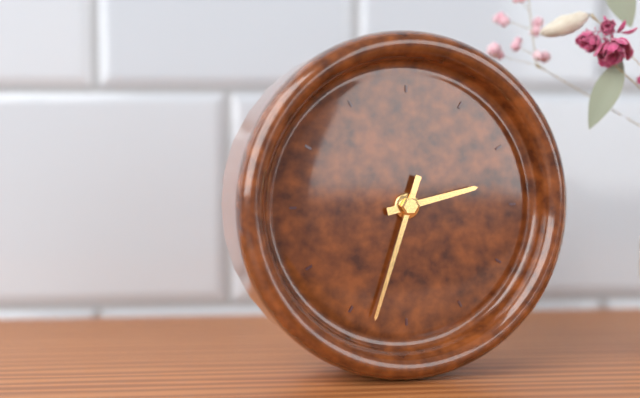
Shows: 2 h 33 min
